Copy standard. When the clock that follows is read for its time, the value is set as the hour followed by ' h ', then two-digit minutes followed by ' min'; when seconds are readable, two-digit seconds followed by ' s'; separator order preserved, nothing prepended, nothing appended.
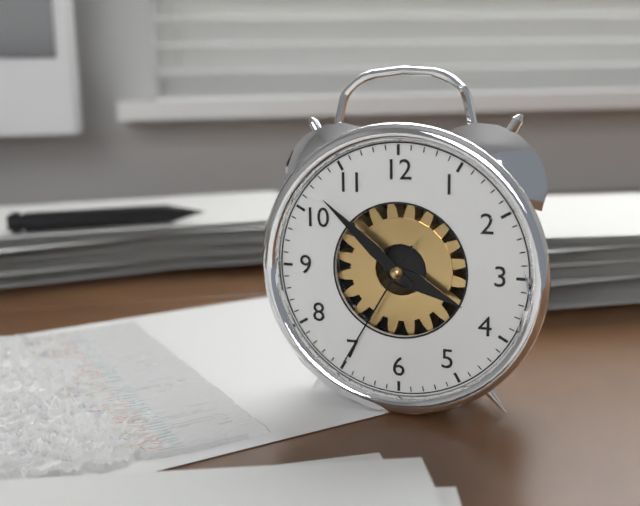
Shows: 3 h 52 min 35 s
